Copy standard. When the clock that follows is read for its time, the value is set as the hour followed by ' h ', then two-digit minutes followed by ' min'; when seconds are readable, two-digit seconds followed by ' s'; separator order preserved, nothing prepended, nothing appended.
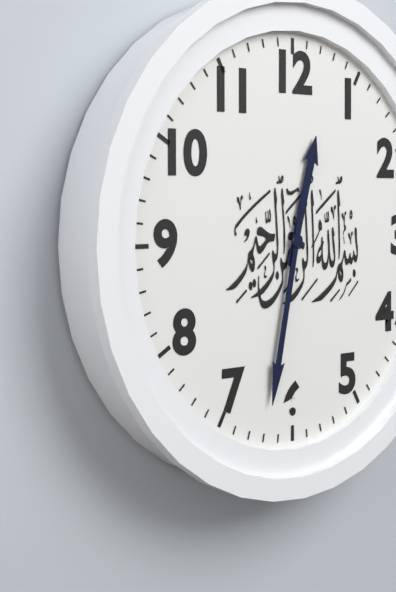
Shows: 12 h 32 min
